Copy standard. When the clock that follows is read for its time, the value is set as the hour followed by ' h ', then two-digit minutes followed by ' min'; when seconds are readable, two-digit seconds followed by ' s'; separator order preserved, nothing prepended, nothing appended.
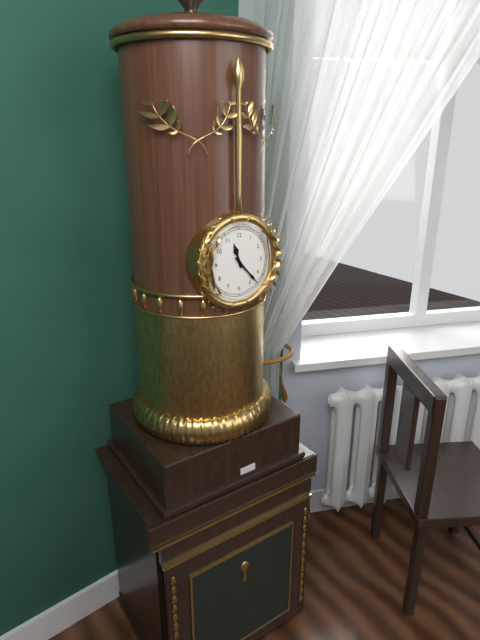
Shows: 11 h 23 min
